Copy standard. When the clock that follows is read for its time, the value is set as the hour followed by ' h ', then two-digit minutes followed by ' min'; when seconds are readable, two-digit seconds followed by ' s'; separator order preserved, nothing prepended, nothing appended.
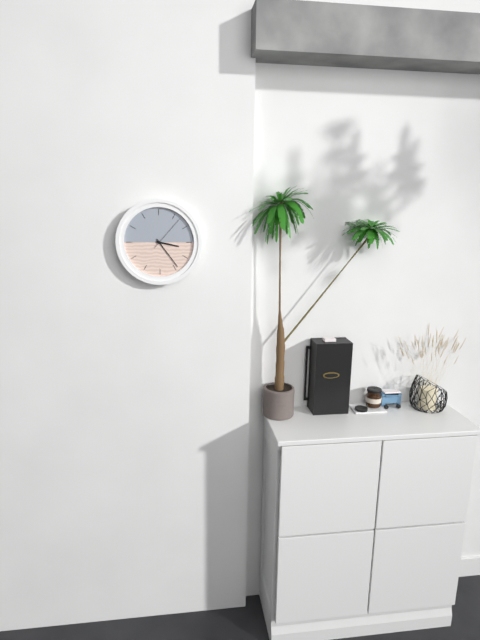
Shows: 3 h 24 min
